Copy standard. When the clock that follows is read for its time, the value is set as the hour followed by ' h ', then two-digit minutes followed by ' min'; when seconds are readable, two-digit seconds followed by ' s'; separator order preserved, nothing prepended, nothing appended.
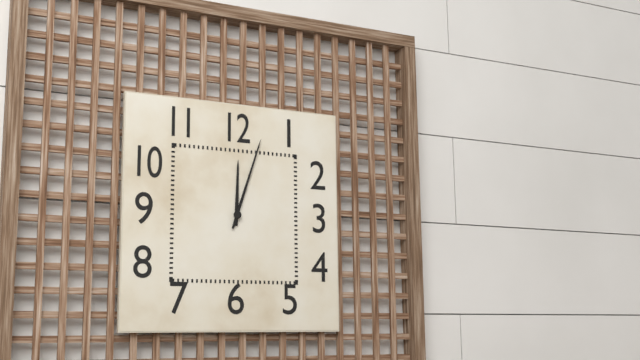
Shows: 12 h 03 min
